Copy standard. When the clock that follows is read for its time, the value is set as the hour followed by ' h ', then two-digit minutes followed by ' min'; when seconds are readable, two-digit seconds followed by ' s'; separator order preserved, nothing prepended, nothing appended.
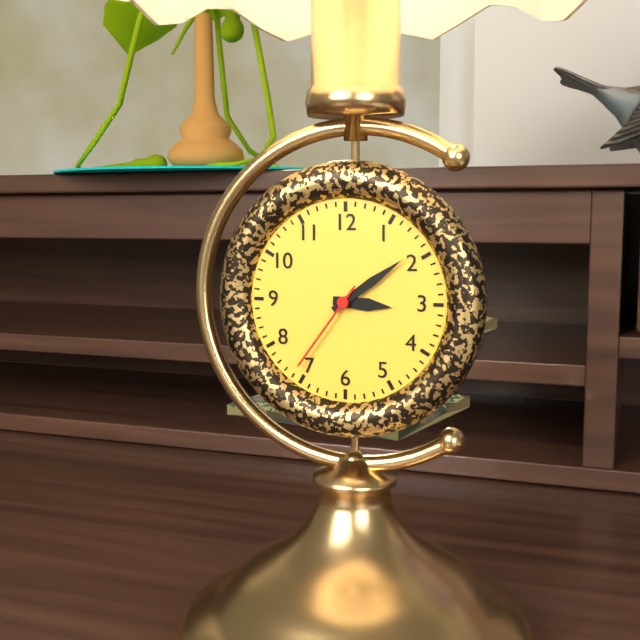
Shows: 3 h 09 min 36 s
